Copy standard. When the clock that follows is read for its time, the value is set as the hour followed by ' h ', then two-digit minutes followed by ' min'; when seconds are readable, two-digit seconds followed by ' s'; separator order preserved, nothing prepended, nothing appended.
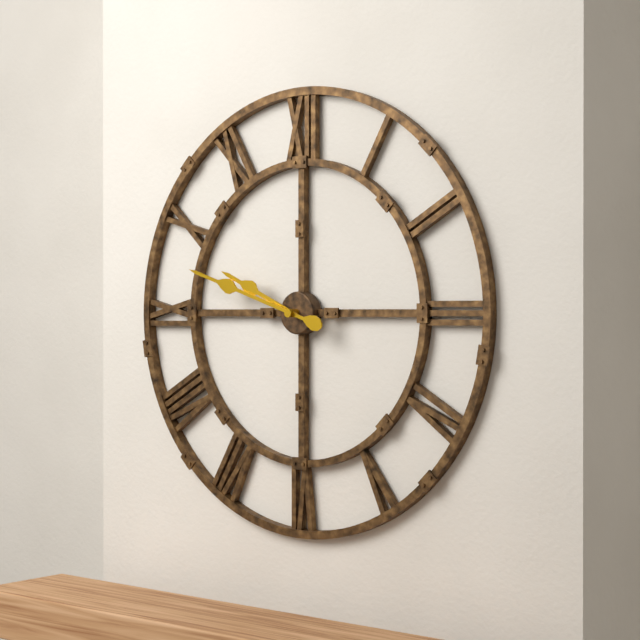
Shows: 9 h 48 min
